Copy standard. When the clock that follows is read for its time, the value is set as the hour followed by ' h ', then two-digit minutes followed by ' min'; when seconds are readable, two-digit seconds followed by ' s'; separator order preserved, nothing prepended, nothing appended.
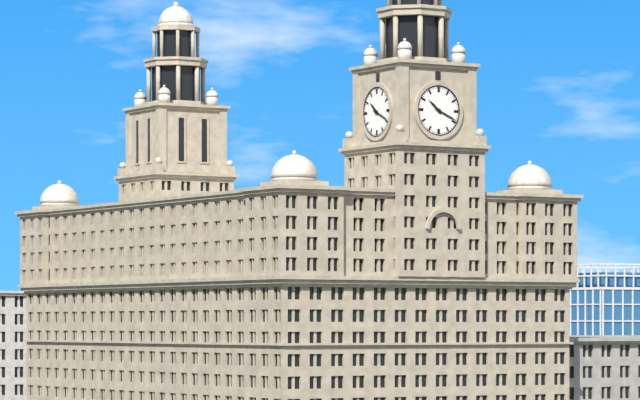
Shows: 10 h 19 min
